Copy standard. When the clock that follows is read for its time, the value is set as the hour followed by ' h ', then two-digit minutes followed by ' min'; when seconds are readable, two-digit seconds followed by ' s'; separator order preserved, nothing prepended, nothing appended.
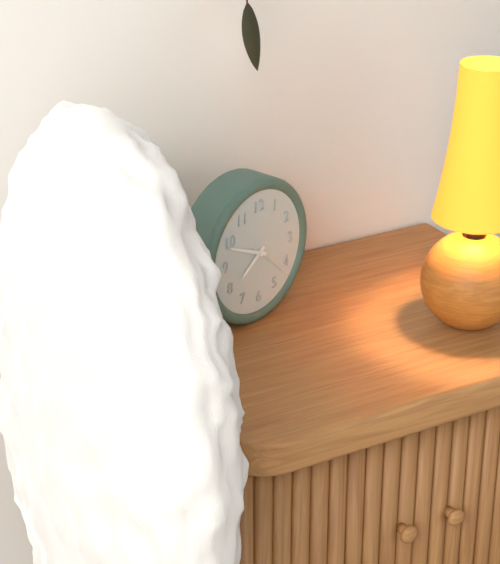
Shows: 7 h 49 min
